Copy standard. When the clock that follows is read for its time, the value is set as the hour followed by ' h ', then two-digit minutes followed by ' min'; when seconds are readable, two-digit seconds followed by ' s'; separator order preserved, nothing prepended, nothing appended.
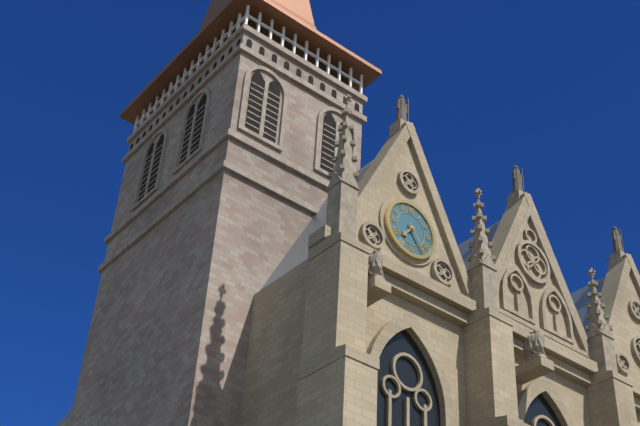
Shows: 7 h 24 min
